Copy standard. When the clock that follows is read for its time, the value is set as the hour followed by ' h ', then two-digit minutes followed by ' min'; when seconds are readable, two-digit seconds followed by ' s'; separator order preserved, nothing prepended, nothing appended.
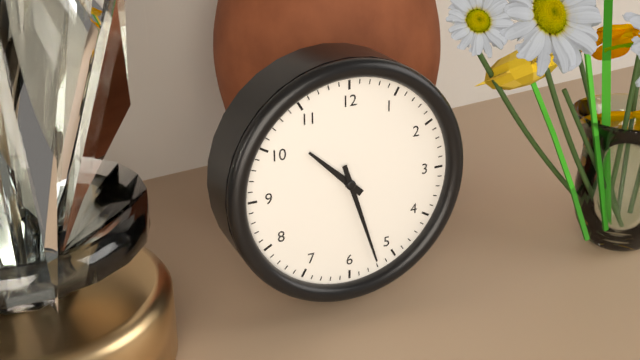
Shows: 10 h 27 min
